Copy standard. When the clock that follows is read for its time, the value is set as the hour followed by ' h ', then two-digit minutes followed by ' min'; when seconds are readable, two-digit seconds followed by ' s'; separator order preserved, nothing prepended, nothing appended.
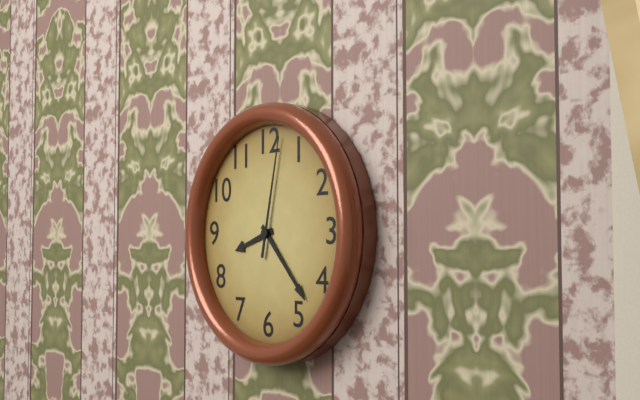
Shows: 8 h 23 min 02 s
